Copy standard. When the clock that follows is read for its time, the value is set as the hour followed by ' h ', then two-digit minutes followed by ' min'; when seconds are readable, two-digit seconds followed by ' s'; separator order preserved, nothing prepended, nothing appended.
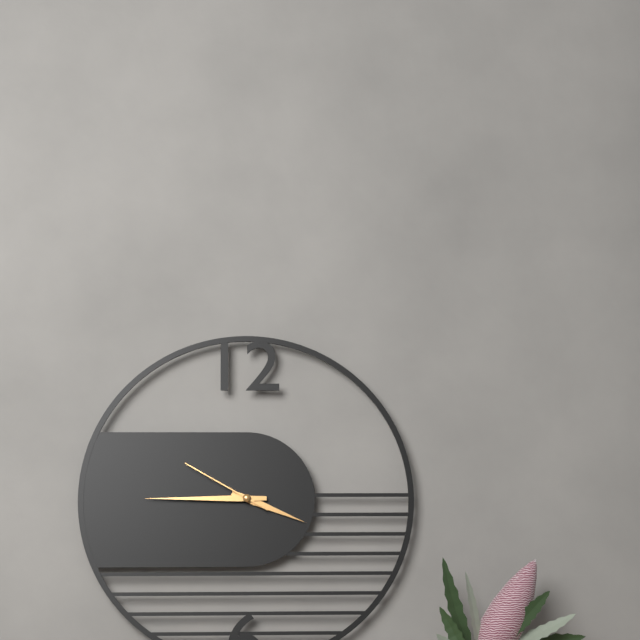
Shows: 3 h 45 min 50 s
